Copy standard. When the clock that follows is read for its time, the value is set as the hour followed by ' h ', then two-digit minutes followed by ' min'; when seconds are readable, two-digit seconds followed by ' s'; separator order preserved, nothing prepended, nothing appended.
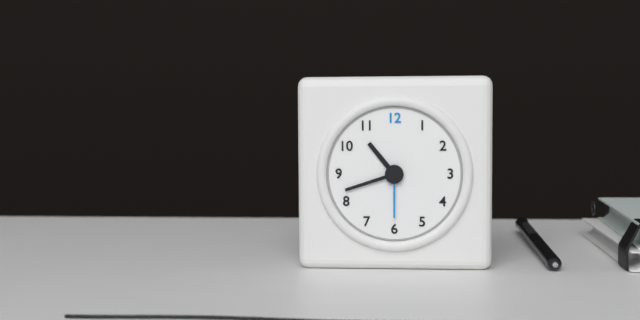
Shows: 10 h 42 min 30 s
